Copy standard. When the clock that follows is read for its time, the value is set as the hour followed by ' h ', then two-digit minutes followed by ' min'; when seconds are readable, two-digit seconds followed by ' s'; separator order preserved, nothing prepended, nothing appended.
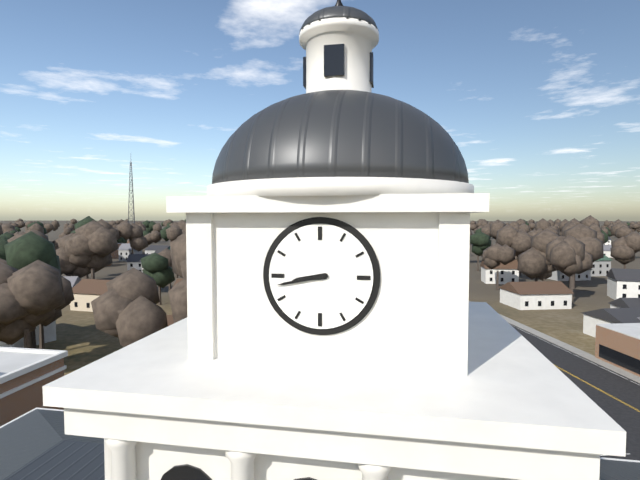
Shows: 8 h 43 min
